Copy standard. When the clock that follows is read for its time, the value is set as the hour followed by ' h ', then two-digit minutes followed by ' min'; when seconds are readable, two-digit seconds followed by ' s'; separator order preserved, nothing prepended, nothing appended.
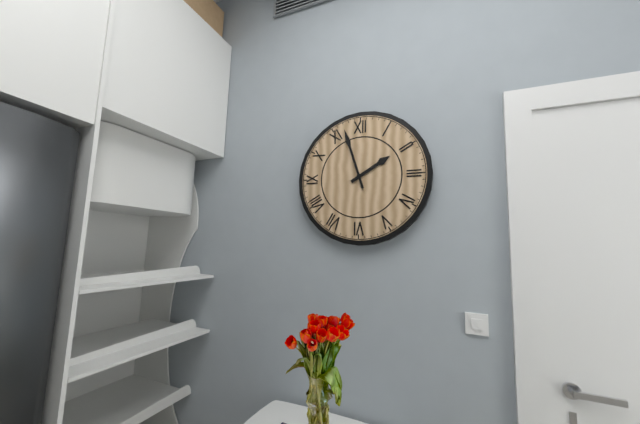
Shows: 1 h 57 min
